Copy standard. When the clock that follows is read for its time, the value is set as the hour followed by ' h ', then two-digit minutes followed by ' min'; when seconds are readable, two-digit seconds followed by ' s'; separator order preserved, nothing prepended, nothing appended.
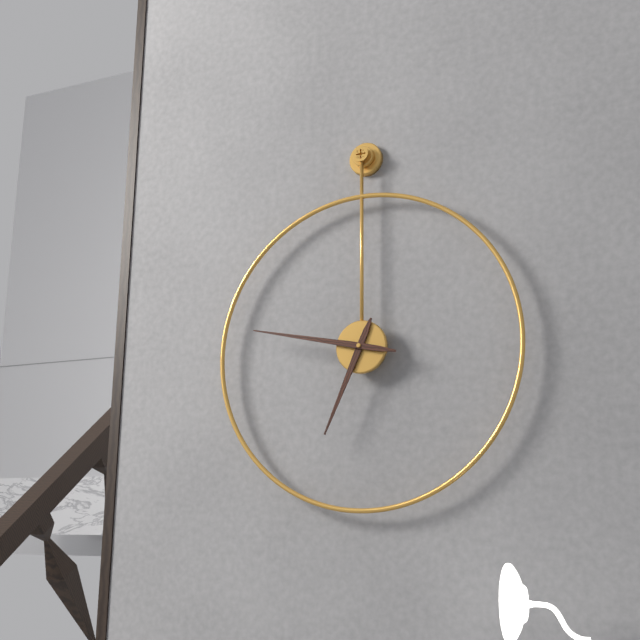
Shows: 6 h 47 min
